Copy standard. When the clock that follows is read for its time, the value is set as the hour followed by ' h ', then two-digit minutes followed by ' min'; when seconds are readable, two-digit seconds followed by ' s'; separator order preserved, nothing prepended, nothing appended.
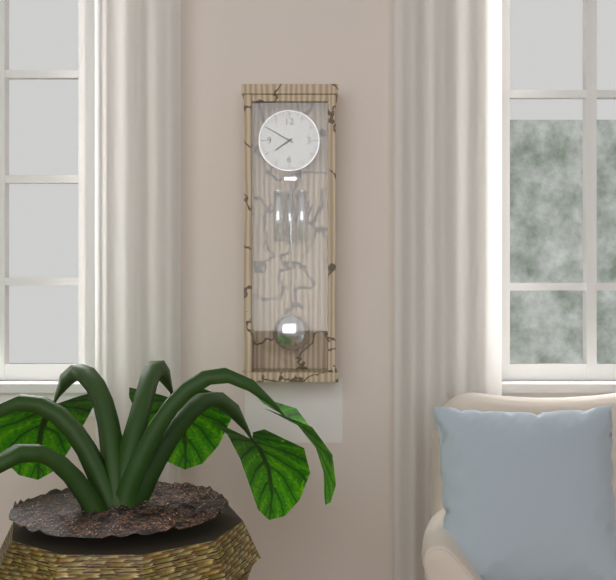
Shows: 7 h 50 min
